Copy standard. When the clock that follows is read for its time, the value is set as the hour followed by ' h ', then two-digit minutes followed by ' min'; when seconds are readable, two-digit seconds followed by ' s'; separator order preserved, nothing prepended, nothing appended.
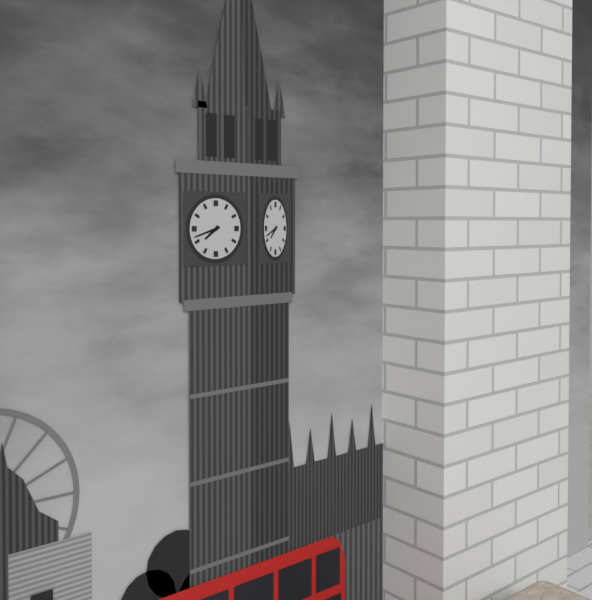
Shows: 7 h 42 min
